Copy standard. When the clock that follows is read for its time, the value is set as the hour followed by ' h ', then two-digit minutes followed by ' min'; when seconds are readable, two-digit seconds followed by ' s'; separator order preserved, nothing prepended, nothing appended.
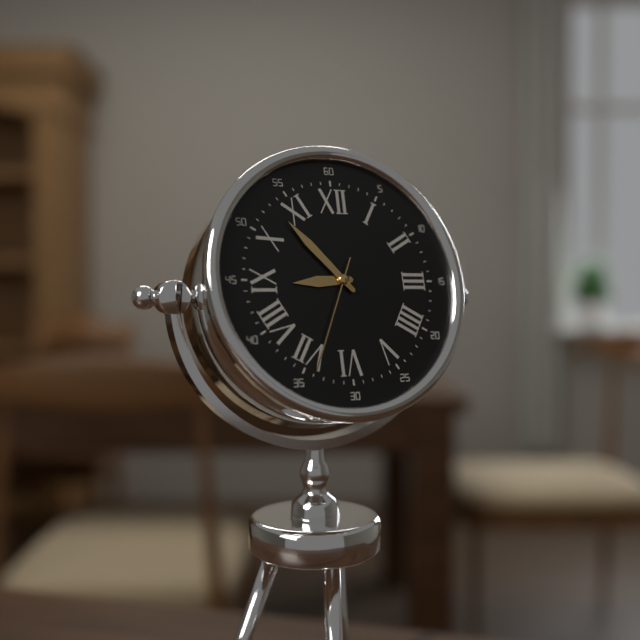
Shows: 8 h 53 min 34 s
